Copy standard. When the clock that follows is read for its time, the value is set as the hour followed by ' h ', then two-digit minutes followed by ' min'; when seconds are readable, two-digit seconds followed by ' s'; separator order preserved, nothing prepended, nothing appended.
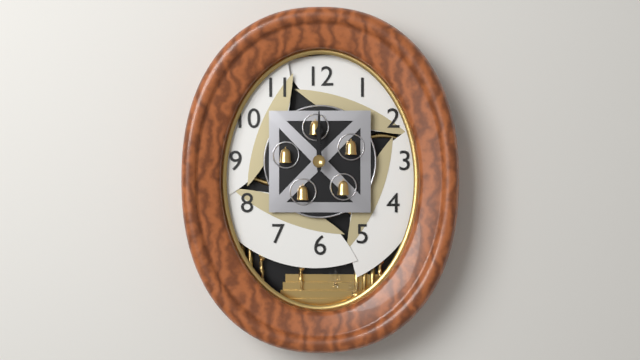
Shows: 12 h 00 min
